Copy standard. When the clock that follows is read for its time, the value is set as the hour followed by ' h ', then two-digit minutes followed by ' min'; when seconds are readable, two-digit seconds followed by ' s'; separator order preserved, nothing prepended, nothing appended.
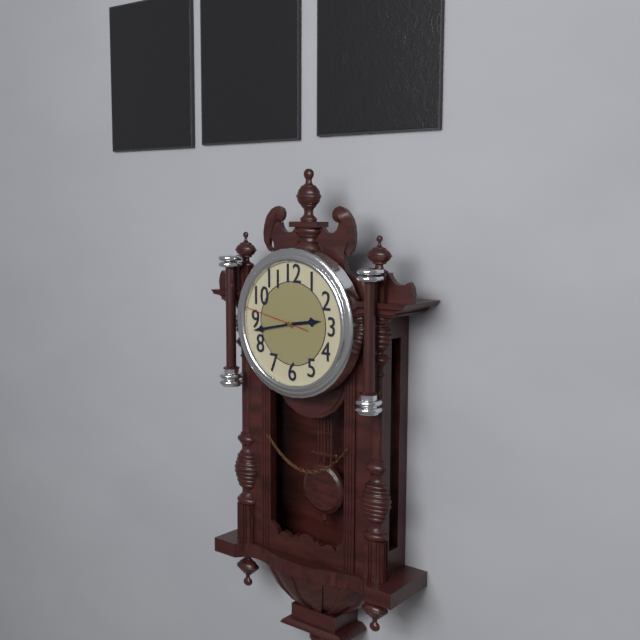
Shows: 2 h 43 min 47 s
